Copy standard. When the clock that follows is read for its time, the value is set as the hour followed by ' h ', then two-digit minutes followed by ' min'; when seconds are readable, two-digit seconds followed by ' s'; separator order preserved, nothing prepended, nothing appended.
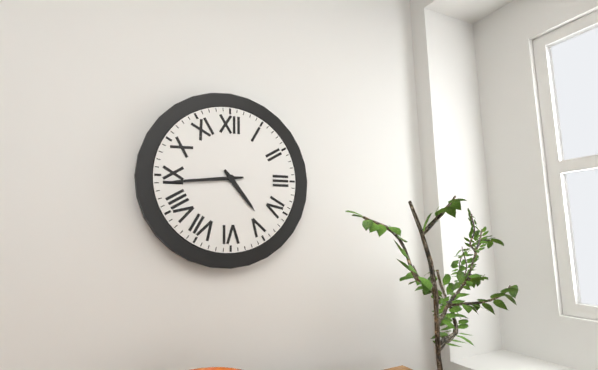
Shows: 4 h 44 min
